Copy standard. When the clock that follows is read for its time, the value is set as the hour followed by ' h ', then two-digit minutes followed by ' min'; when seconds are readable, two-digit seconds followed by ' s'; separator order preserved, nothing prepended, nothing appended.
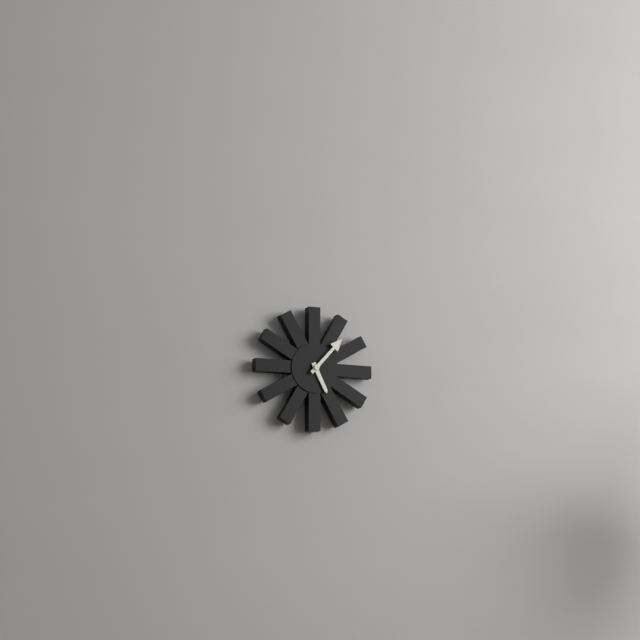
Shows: 5 h 07 min
